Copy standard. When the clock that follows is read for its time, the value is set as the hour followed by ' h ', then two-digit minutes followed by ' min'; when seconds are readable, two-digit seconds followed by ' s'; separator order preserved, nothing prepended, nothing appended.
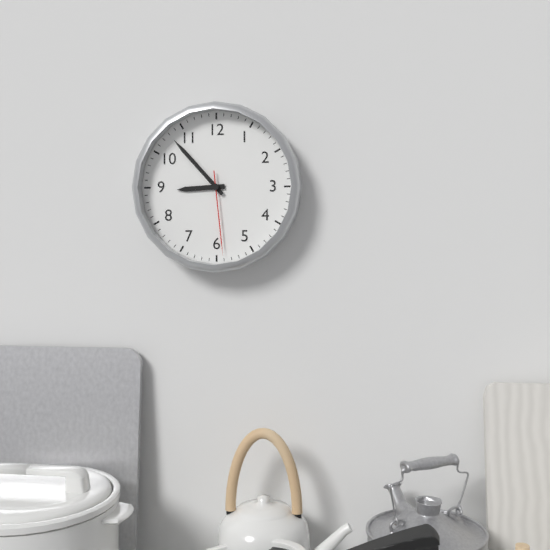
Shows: 8 h 53 min 29 s
